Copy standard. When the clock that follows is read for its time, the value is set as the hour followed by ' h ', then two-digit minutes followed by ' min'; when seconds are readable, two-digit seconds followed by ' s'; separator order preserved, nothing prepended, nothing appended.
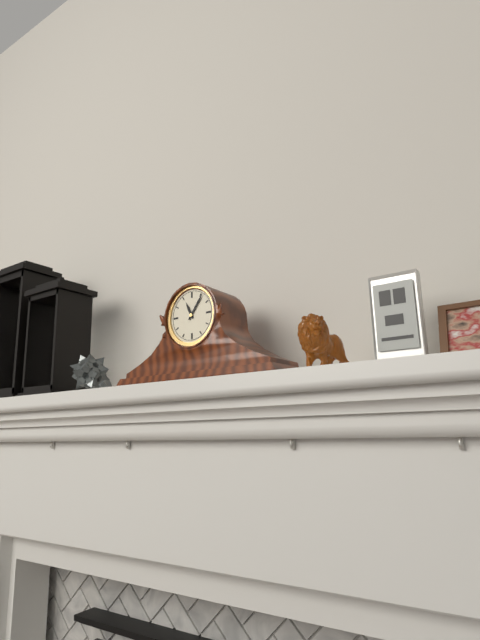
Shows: 11 h 06 min
